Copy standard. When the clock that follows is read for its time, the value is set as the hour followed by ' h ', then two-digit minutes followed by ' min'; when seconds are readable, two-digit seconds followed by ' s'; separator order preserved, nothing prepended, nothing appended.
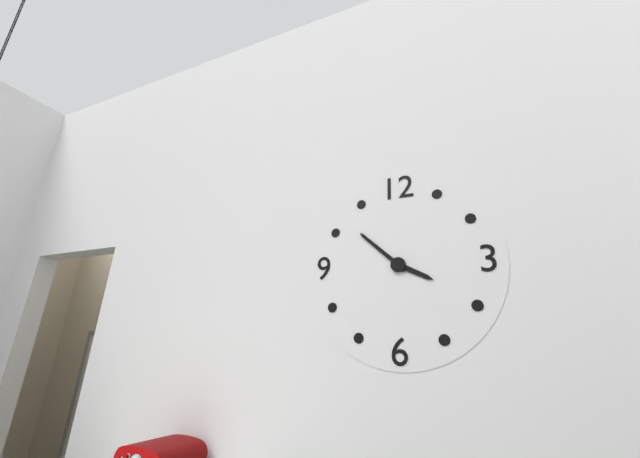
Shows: 3 h 52 min
